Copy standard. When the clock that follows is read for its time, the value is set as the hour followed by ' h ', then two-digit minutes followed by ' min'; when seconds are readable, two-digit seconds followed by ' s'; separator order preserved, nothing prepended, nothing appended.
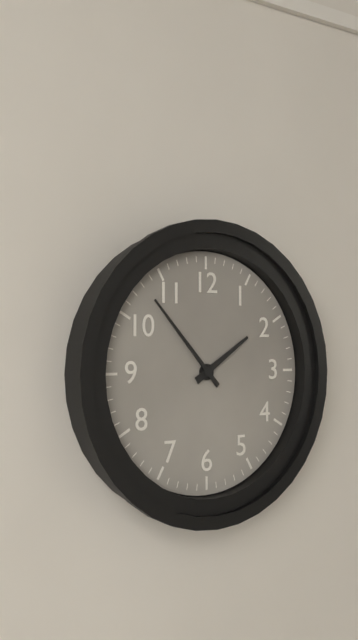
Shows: 1 h 53 min
